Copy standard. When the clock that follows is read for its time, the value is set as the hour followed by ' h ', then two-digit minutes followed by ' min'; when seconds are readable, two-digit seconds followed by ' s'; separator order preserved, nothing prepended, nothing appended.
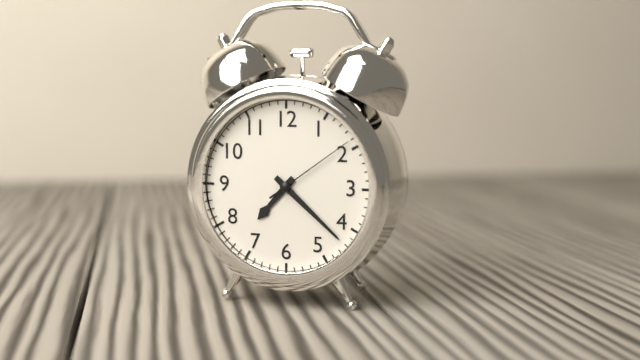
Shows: 7 h 22 min 09 s
